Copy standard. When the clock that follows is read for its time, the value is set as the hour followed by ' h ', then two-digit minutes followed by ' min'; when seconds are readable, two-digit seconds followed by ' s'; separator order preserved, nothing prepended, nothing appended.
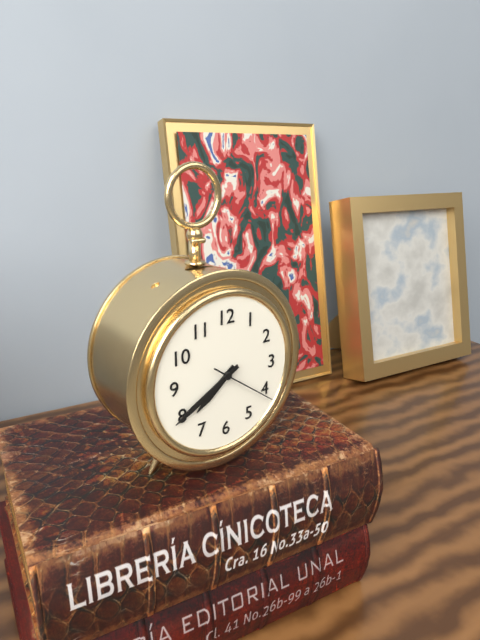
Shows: 7 h 40 min 21 s
